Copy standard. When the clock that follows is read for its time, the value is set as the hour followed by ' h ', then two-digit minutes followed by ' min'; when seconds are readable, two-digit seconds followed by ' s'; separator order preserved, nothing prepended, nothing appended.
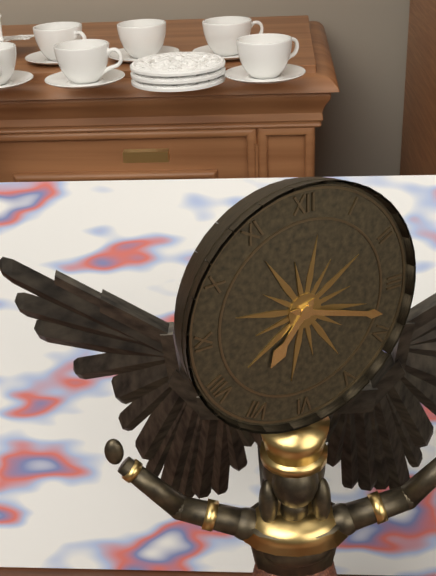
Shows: 7 h 18 min
